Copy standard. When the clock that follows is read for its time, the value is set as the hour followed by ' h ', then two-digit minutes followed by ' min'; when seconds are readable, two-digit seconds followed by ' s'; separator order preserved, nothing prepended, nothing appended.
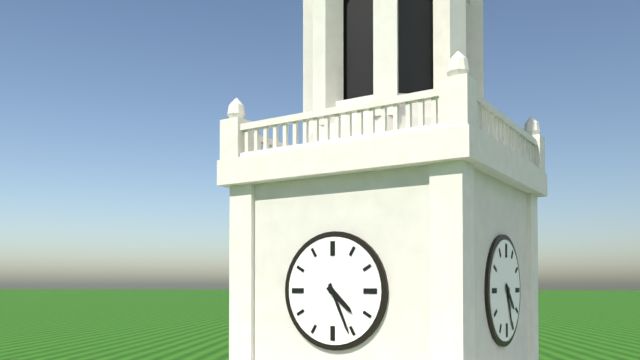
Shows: 4 h 26 min
